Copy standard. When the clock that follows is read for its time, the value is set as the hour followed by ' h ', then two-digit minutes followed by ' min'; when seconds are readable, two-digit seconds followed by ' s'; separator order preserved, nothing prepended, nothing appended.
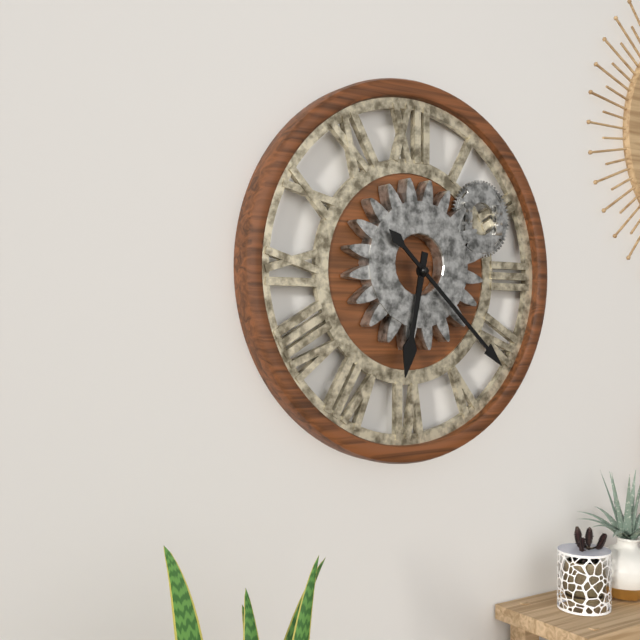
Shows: 6 h 22 min
